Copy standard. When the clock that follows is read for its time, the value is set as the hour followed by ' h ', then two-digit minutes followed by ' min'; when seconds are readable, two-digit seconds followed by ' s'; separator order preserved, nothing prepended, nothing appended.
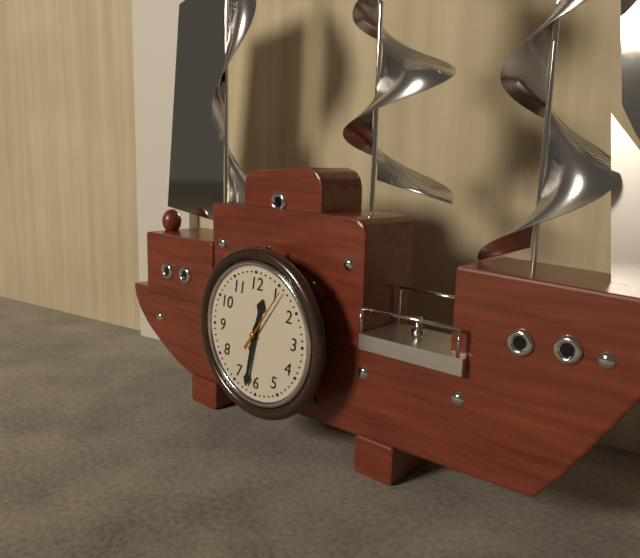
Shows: 12 h 32 min 06 s
